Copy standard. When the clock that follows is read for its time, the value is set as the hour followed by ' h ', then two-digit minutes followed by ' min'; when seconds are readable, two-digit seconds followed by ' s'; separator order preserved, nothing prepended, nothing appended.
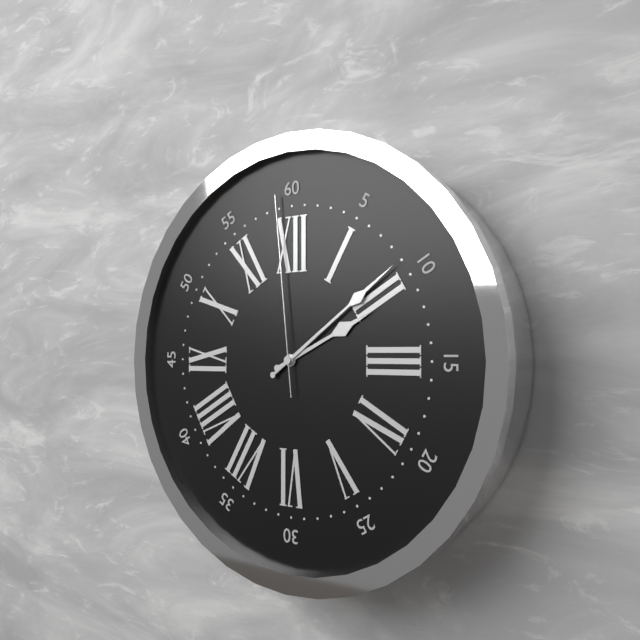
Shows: 2 h 09 min 59 s
